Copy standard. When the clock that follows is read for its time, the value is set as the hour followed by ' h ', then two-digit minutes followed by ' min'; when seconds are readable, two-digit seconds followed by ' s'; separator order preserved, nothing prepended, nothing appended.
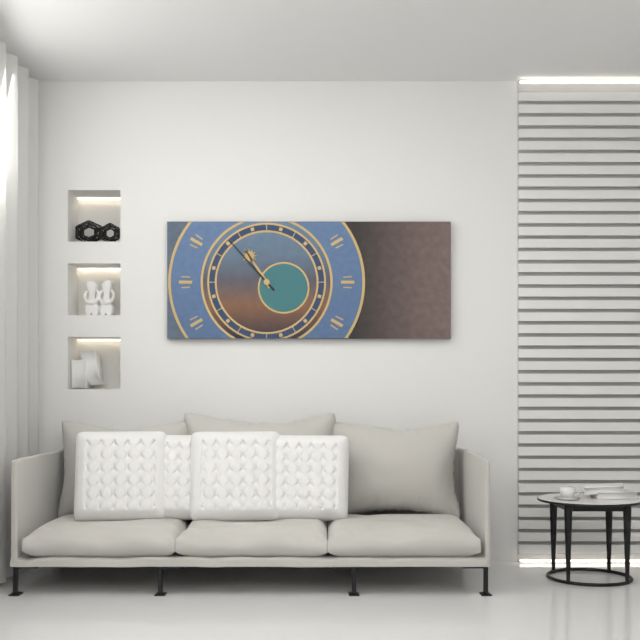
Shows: 10 h 53 min
